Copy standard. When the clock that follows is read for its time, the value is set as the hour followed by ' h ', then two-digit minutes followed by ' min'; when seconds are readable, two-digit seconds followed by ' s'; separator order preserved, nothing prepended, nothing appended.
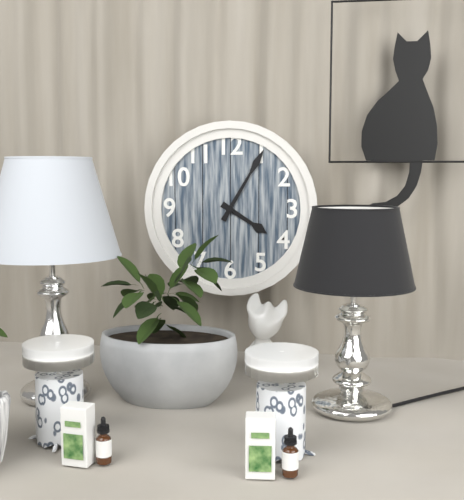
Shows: 4 h 05 min
